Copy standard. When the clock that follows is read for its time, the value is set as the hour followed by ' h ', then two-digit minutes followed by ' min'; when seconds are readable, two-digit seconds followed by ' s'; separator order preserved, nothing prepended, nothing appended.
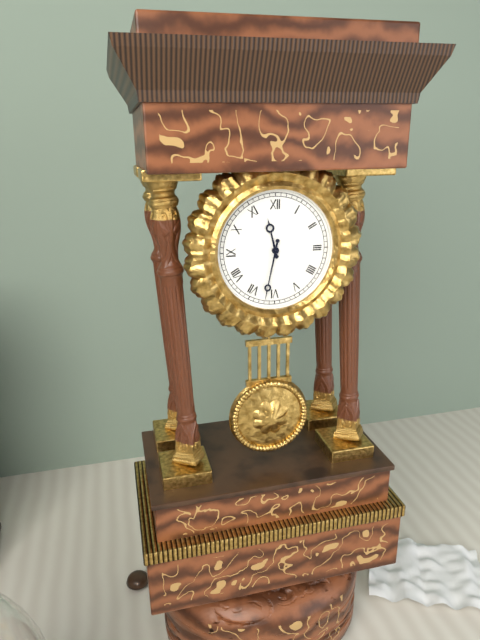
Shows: 11 h 32 min
